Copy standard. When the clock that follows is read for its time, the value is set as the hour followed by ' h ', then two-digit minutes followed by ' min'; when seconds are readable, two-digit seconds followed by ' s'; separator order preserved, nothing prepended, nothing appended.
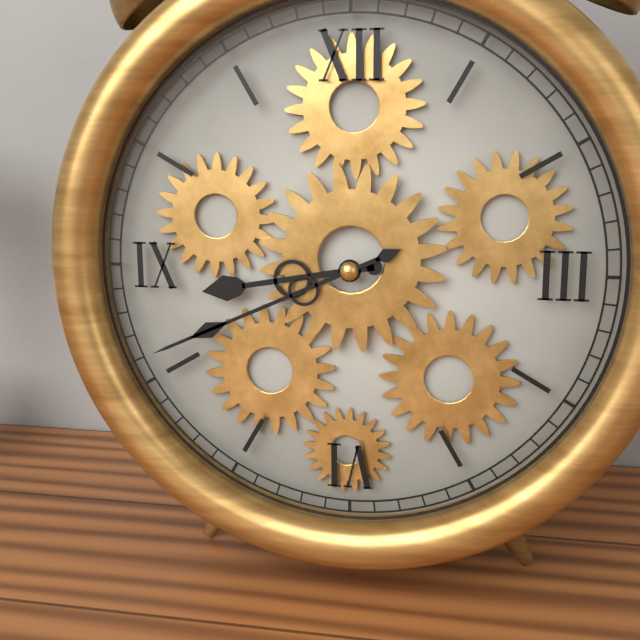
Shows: 8 h 41 min
